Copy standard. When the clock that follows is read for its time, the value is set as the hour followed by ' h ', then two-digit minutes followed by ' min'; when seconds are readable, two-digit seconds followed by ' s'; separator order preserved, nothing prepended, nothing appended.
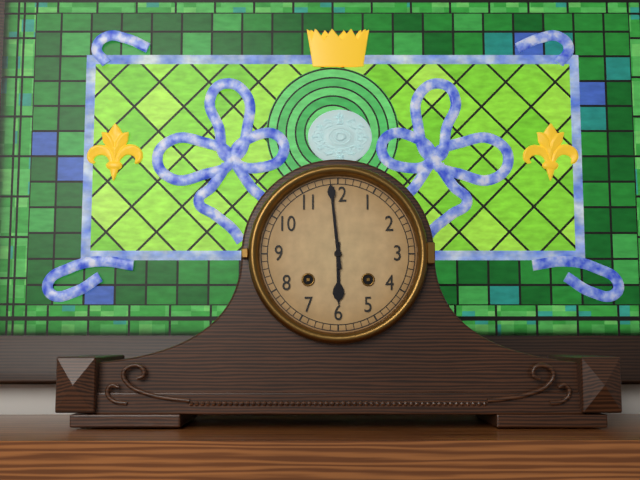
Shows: 5 h 59 min
